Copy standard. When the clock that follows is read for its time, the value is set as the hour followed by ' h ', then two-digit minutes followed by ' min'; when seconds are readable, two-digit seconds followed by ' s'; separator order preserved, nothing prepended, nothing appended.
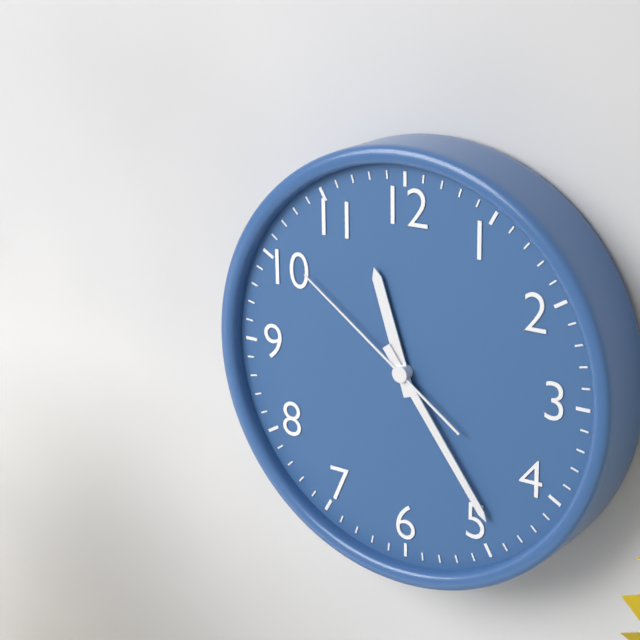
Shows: 11 h 24 min 51 s
